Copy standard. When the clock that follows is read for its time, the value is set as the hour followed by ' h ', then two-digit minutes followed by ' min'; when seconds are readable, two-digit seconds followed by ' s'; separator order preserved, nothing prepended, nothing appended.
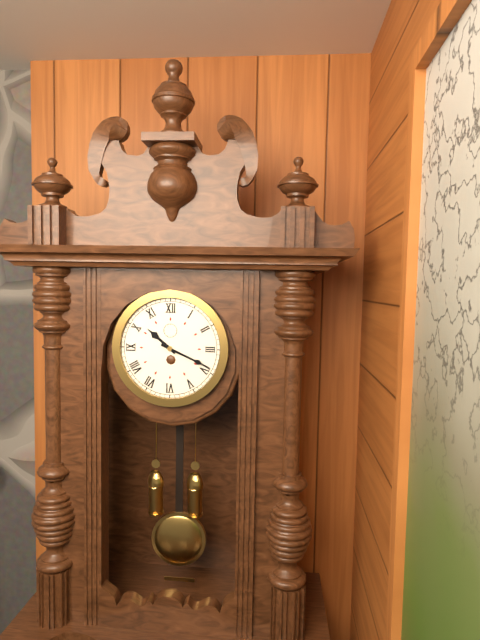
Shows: 10 h 19 min
